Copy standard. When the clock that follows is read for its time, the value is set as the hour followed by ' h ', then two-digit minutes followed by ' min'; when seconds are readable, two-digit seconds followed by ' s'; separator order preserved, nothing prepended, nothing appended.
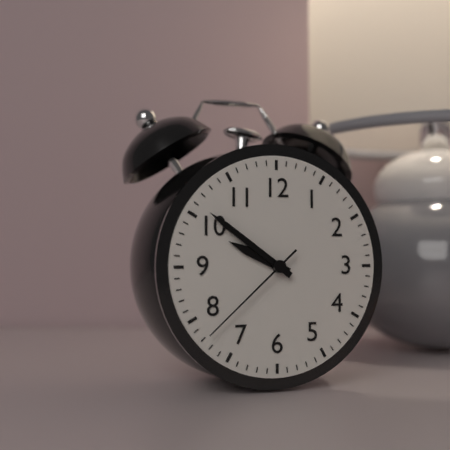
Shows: 9 h 51 min 38 s
